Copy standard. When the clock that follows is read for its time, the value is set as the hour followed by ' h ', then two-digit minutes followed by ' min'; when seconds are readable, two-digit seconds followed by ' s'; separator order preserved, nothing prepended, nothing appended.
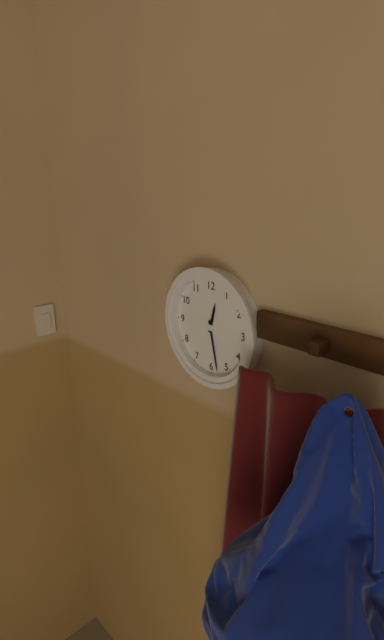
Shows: 12 h 28 min
